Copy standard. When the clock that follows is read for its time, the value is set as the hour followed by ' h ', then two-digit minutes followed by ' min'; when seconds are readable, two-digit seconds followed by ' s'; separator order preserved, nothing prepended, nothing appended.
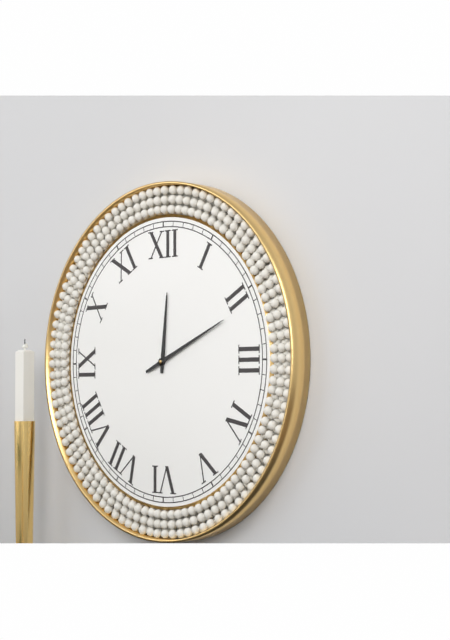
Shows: 12 h 11 min
